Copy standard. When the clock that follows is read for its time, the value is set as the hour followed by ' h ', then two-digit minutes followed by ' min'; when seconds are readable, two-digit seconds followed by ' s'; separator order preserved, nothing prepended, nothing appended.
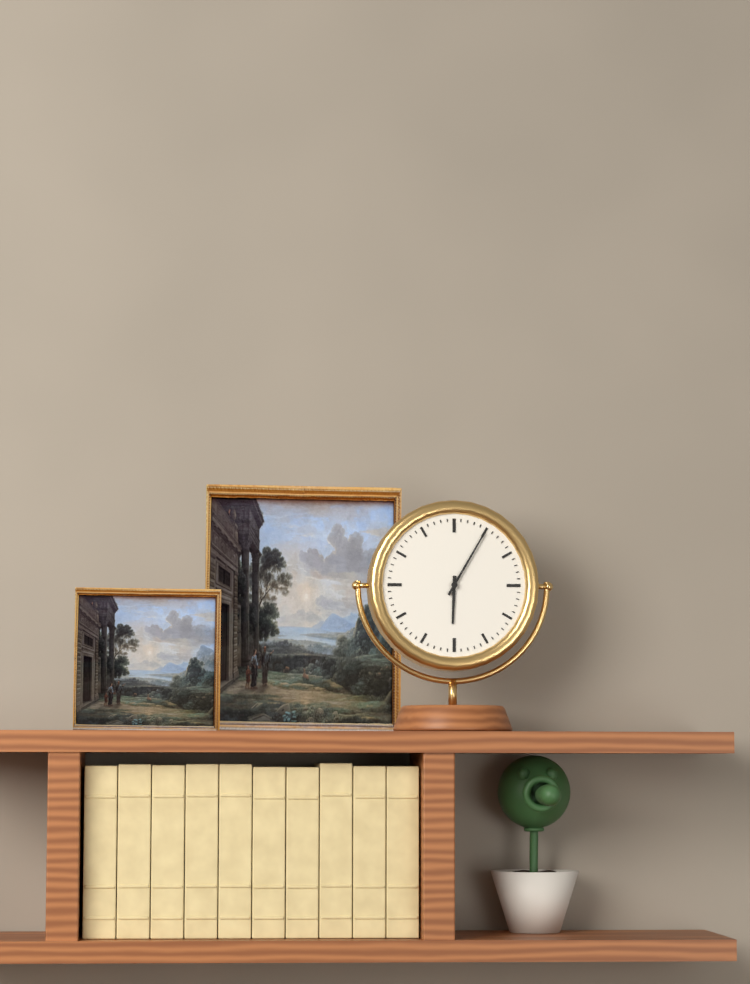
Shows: 6 h 05 min
